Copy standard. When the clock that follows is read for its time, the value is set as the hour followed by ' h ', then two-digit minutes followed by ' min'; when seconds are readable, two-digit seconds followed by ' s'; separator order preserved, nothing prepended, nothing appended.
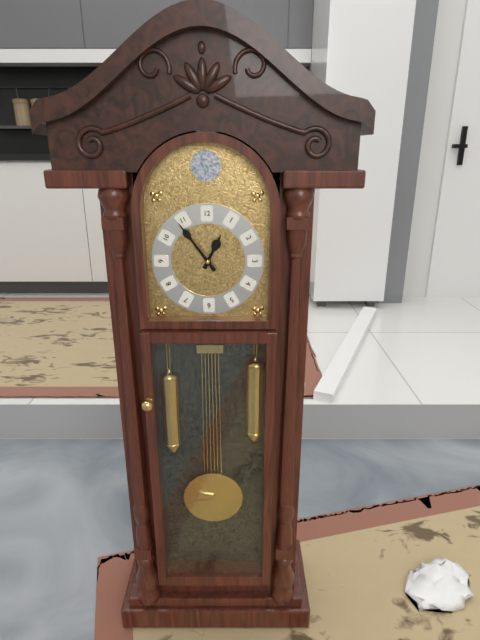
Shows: 12 h 54 min
